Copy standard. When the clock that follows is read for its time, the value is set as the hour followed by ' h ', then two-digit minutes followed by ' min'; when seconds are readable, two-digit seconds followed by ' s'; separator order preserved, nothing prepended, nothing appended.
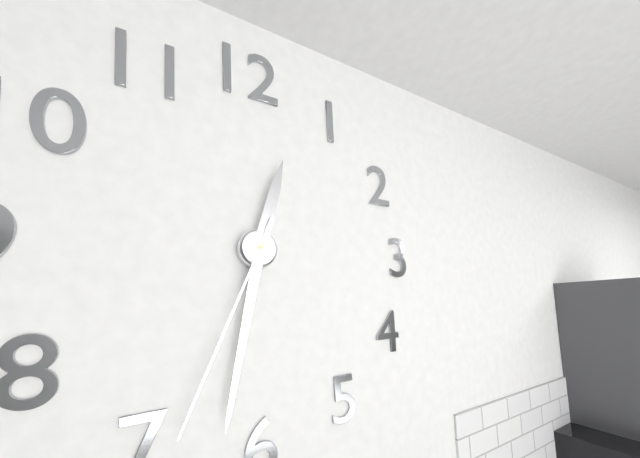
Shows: 12 h 32 min 34 s
